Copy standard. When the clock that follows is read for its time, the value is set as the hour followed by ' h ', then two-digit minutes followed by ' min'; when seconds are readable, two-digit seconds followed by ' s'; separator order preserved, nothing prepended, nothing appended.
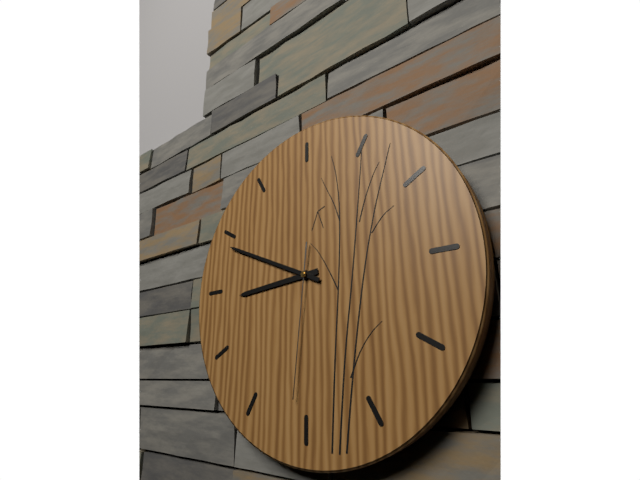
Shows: 8 h 49 min 31 s
